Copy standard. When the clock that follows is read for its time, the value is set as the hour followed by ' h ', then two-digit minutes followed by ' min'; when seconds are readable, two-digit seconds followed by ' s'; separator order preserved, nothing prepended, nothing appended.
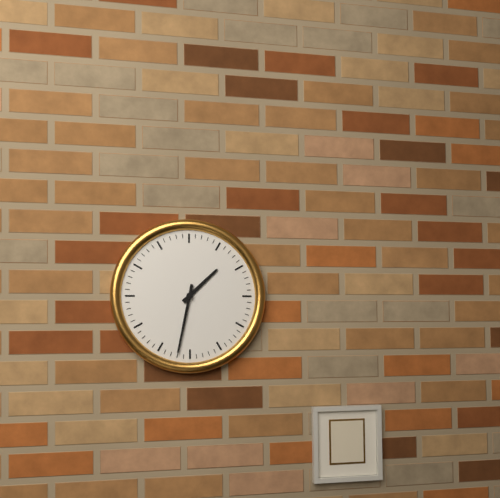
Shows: 1 h 32 min
